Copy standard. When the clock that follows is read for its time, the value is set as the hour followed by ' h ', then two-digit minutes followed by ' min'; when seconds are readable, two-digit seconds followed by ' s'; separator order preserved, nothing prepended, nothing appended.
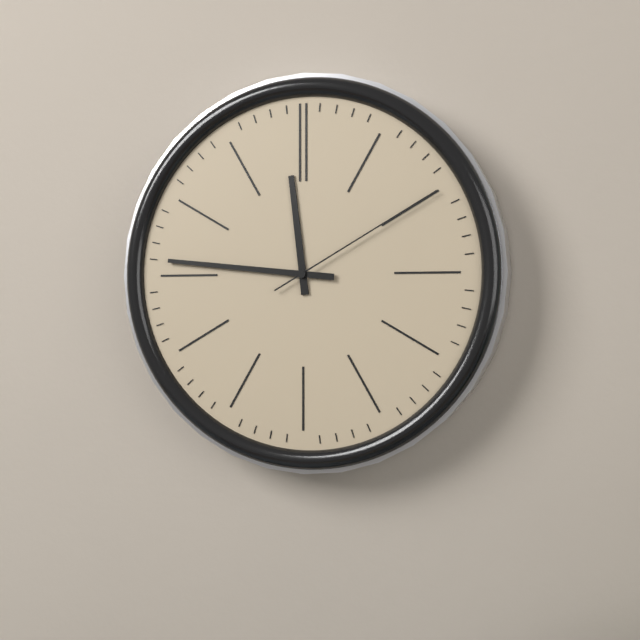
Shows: 11 h 46 min 10 s
